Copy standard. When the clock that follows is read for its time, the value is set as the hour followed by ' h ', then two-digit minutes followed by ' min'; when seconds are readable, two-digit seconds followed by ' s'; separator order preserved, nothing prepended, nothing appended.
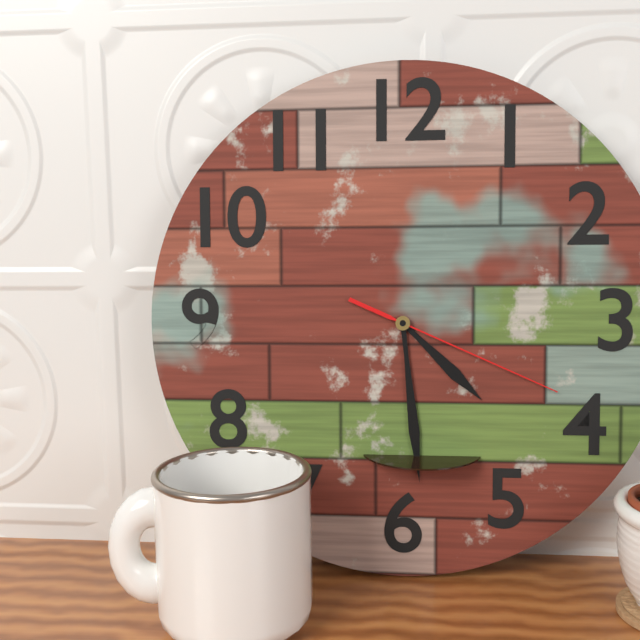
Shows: 4 h 29 min 19 s
